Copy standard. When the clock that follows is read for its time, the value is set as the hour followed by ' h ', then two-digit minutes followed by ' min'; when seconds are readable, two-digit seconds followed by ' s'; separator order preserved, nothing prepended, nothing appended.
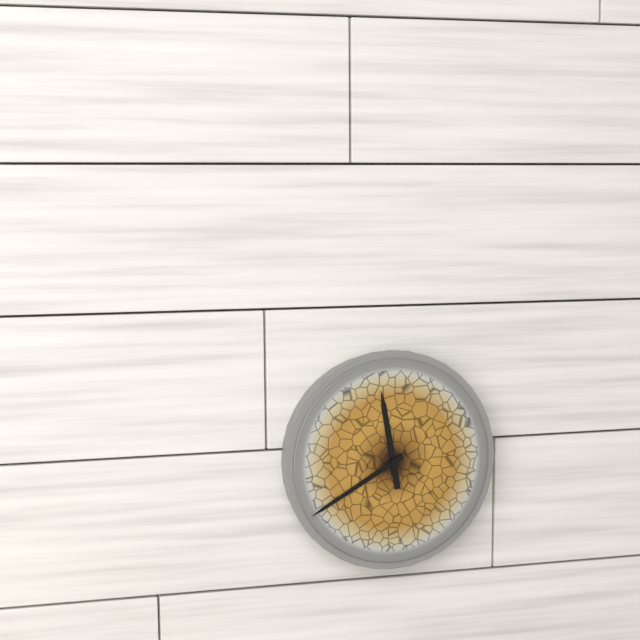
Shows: 11 h 40 min
